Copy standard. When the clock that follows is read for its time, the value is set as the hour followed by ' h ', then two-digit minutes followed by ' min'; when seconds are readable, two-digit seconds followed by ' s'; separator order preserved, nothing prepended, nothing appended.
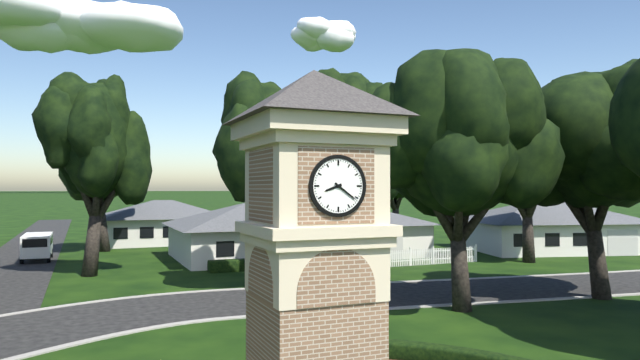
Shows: 8 h 21 min
